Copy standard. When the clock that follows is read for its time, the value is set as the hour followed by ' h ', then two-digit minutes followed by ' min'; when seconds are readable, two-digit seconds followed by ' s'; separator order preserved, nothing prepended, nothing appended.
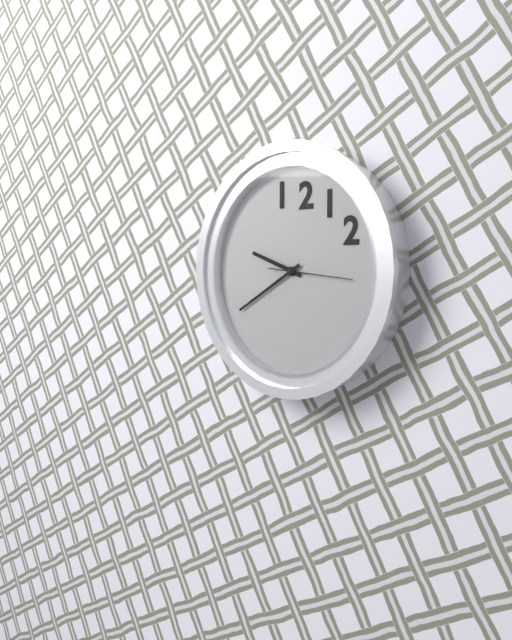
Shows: 9 h 40 min 16 s
